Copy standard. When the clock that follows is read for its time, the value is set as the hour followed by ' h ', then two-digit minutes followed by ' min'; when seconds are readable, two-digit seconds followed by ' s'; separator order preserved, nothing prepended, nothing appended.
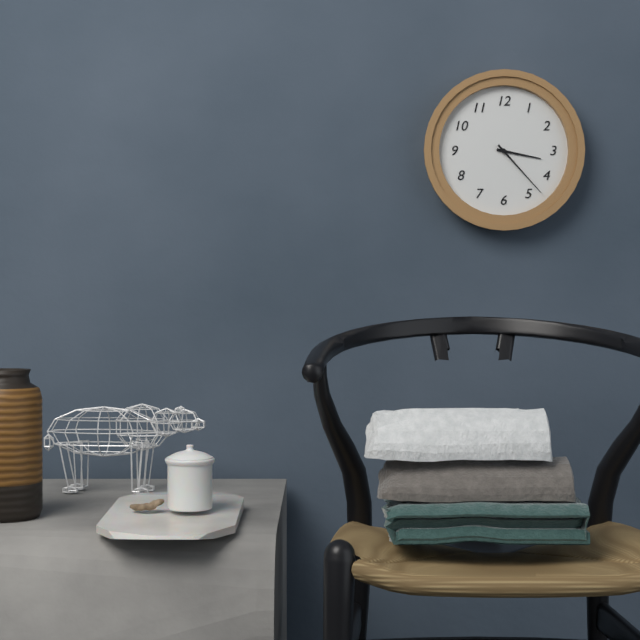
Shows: 3 h 23 min
